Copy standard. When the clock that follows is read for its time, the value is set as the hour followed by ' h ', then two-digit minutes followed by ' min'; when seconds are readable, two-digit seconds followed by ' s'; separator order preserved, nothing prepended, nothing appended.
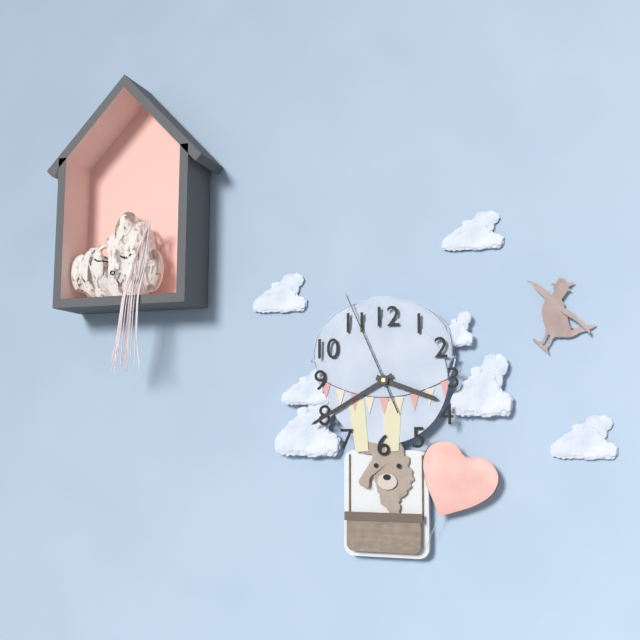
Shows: 3 h 40 min 56 s
